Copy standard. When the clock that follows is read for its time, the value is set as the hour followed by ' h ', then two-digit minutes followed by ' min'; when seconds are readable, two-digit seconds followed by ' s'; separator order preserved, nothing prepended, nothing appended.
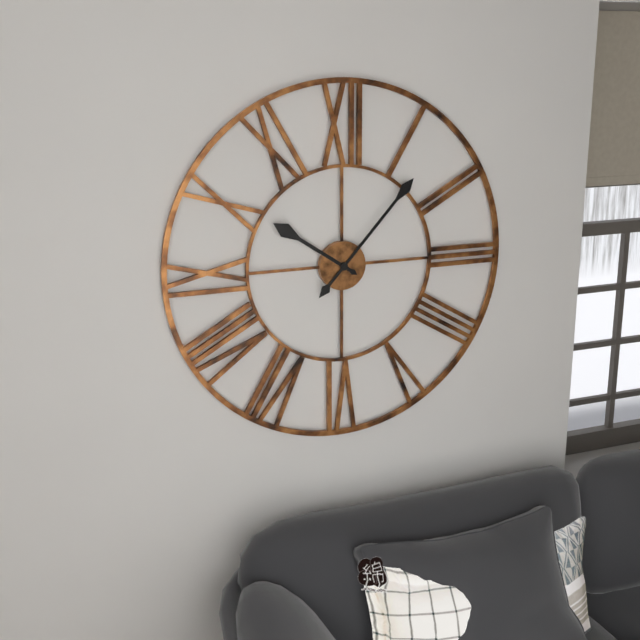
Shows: 10 h 07 min
